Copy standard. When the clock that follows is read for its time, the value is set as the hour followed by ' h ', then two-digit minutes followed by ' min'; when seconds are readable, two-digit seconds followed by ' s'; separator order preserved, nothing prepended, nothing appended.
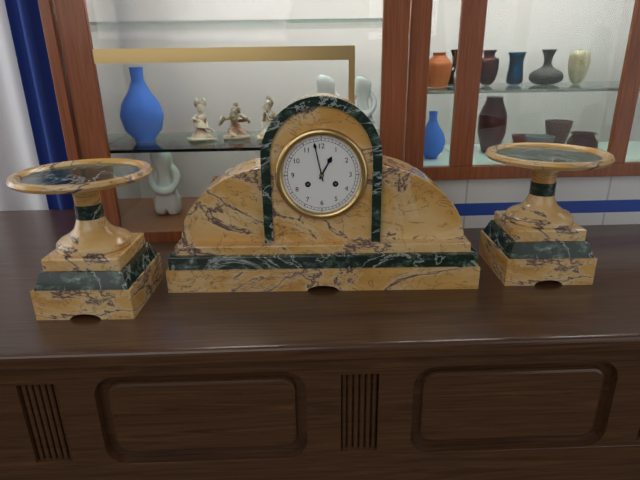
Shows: 12 h 58 min
